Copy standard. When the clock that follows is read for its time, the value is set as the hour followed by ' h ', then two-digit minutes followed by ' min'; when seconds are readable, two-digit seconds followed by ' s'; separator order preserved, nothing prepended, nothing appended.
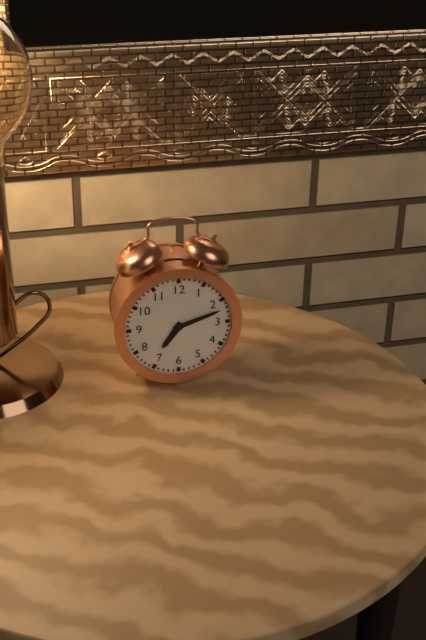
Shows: 7 h 12 min
